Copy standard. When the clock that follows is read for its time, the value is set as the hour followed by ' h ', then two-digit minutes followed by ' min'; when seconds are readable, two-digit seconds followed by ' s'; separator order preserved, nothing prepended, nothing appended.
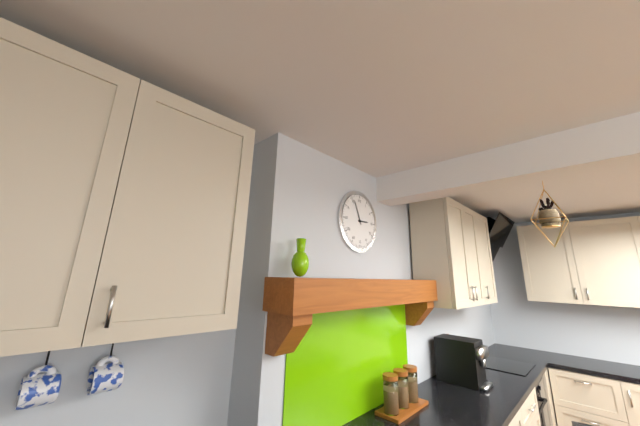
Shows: 2 h 56 min
